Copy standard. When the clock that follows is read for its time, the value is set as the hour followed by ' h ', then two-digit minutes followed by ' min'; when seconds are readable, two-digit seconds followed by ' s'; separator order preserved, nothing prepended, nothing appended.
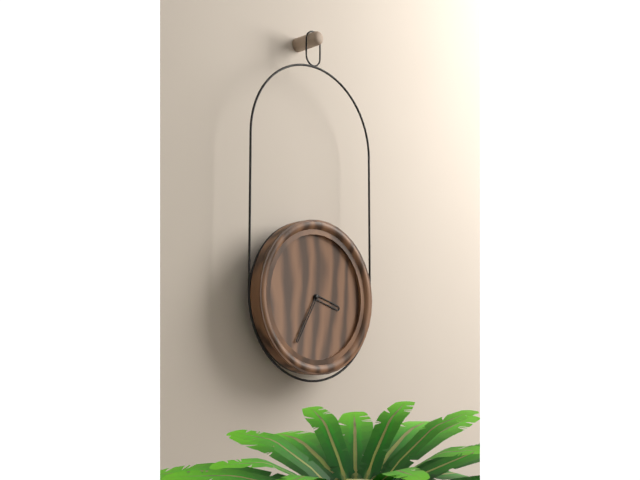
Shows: 3 h 35 min
